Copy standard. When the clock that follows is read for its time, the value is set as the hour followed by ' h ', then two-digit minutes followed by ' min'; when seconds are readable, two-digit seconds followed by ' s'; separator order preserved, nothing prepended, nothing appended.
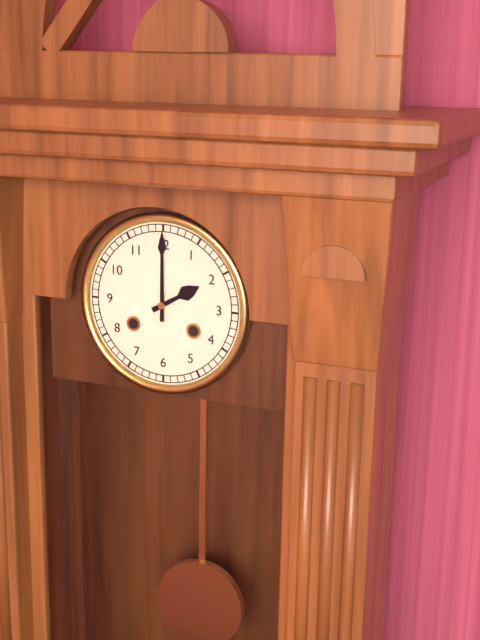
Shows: 2 h 00 min
